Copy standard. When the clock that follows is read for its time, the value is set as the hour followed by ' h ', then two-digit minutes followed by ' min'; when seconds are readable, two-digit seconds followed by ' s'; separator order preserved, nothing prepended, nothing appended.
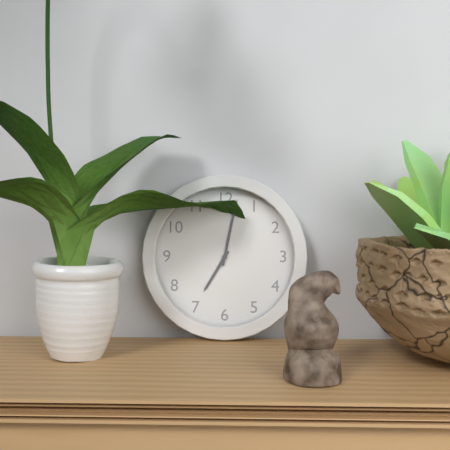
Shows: 7 h 02 min
